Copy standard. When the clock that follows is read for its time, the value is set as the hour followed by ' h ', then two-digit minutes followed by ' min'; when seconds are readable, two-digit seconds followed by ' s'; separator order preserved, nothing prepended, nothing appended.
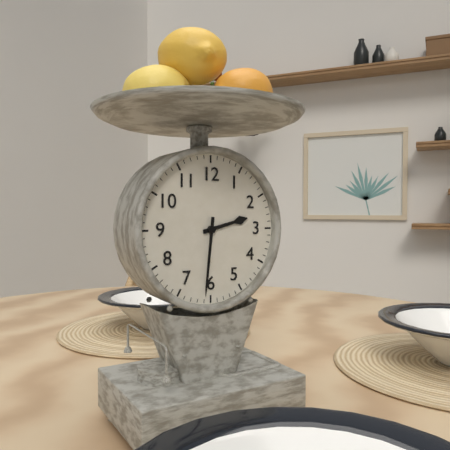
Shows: 2 h 31 min
